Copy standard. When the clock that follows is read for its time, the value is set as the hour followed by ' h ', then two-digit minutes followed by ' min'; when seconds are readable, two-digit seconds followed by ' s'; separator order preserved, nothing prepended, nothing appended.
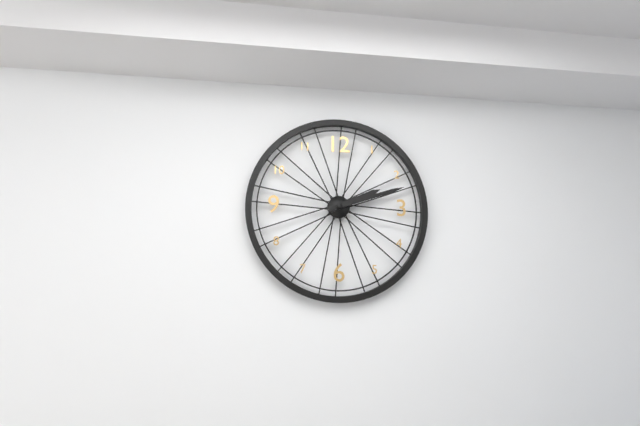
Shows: 2 h 12 min
